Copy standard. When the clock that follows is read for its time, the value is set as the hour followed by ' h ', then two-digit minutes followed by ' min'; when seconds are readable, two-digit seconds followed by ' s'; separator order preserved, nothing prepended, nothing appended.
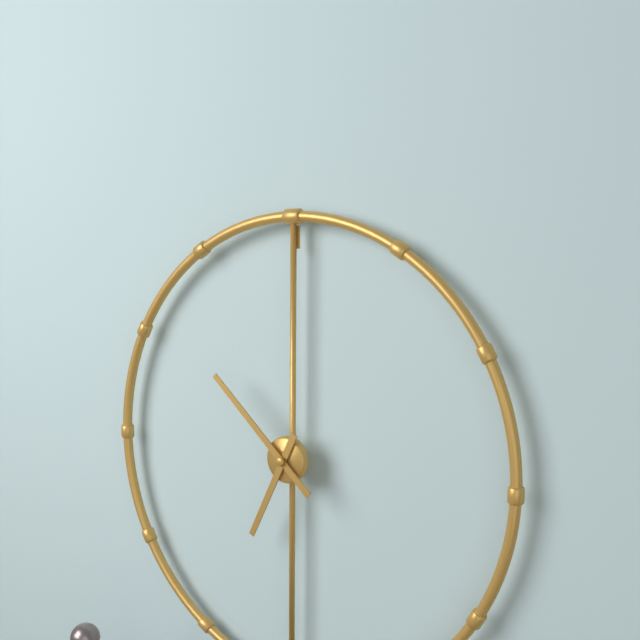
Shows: 6 h 52 min
